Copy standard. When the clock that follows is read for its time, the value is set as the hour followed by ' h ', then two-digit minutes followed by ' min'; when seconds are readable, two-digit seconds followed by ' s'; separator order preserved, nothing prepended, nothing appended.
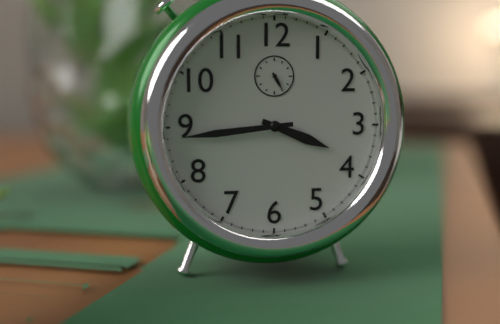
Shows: 3 h 44 min
